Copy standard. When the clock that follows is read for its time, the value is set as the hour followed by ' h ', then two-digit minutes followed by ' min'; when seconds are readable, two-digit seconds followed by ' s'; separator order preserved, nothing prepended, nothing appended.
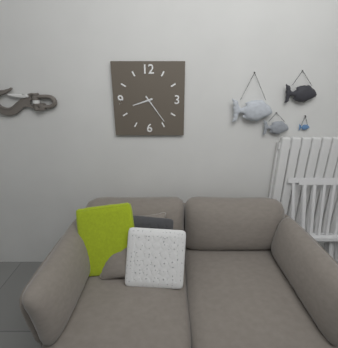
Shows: 8 h 24 min
